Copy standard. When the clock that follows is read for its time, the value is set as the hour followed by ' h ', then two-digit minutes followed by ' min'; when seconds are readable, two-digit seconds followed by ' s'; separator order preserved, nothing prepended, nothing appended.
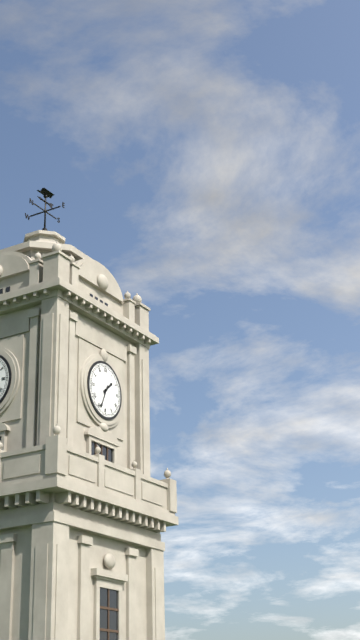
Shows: 1 h 34 min
